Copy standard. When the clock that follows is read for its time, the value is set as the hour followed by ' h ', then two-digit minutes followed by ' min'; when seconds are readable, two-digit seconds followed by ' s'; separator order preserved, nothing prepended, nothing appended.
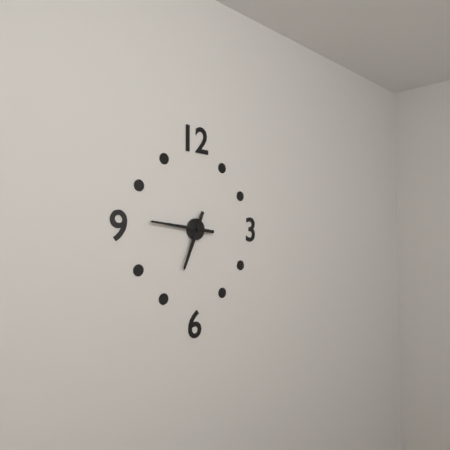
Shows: 6 h 46 min
